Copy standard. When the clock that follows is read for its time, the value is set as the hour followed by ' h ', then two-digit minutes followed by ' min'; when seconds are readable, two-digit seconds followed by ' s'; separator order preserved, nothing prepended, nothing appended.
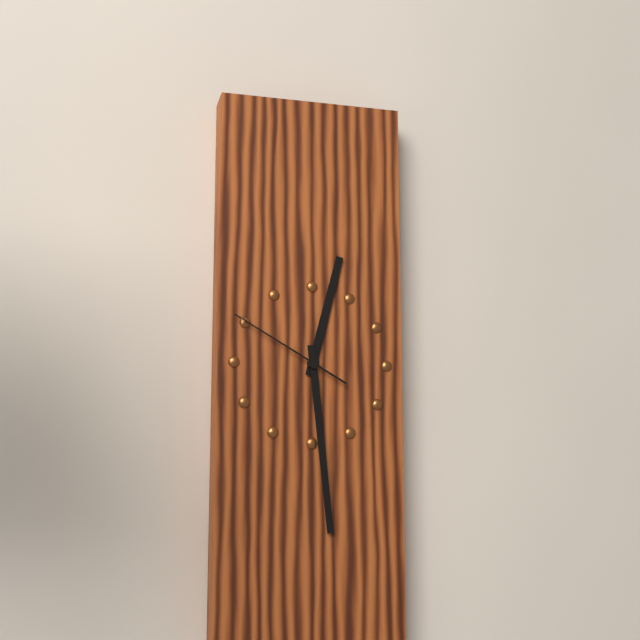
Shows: 12 h 29 min 50 s
